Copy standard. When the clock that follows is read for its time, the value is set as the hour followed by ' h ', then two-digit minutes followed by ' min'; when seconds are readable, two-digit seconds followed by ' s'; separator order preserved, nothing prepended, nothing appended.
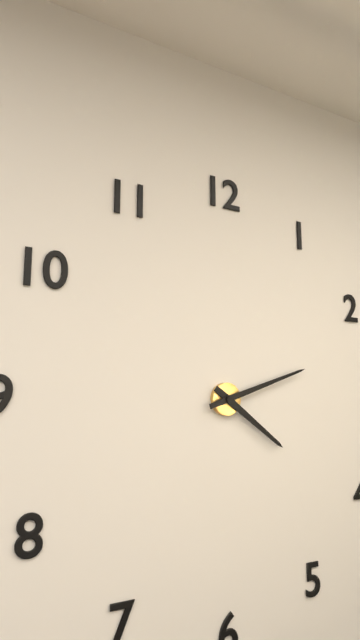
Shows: 4 h 12 min
